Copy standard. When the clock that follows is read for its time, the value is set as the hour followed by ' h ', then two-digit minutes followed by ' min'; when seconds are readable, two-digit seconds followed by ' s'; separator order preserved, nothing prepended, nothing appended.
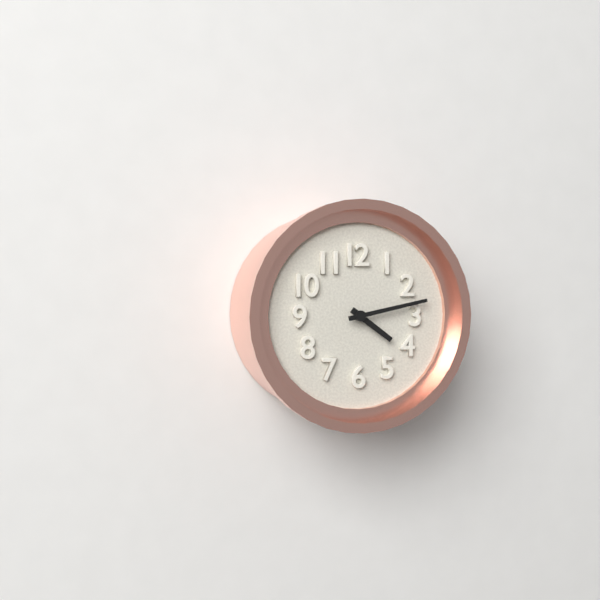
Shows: 4 h 13 min
